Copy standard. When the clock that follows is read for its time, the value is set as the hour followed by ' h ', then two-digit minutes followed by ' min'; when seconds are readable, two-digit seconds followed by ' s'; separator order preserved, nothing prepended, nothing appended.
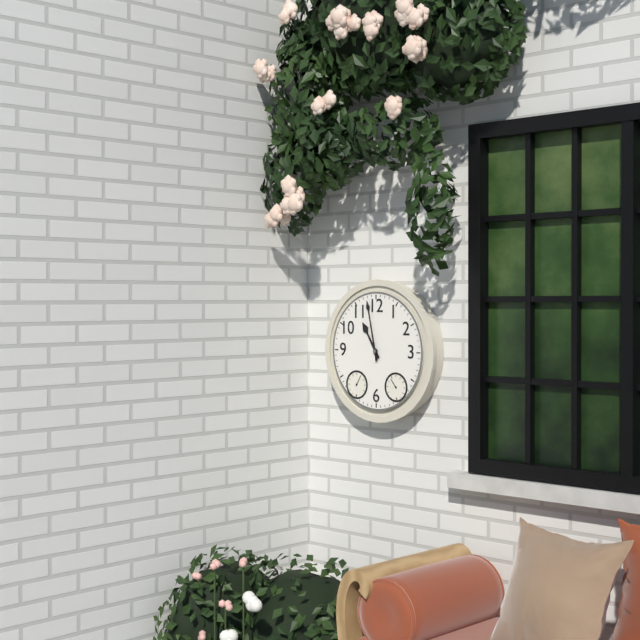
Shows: 10 h 58 min
